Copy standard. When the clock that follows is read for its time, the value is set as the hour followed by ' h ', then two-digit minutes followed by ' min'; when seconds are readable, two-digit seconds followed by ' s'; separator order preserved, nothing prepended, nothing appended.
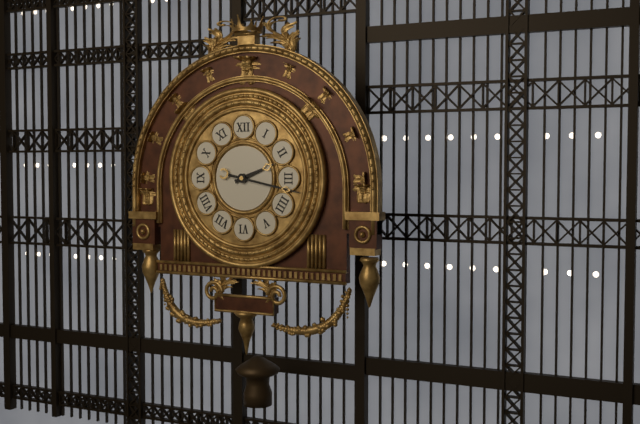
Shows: 2 h 17 min
